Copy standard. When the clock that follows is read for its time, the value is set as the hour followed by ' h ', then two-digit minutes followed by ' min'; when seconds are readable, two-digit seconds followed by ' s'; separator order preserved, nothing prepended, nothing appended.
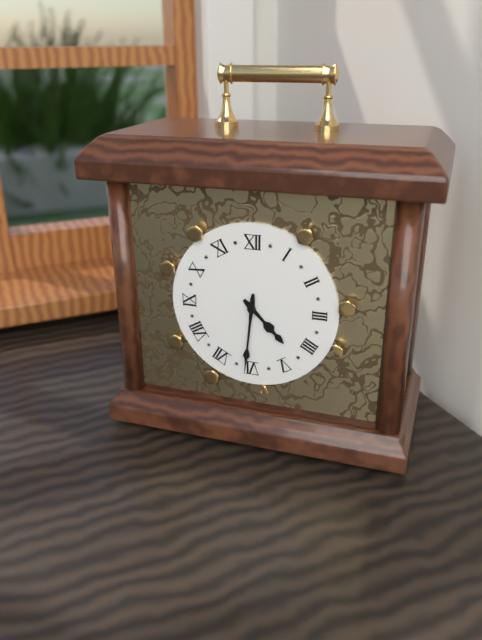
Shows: 4 h 31 min
